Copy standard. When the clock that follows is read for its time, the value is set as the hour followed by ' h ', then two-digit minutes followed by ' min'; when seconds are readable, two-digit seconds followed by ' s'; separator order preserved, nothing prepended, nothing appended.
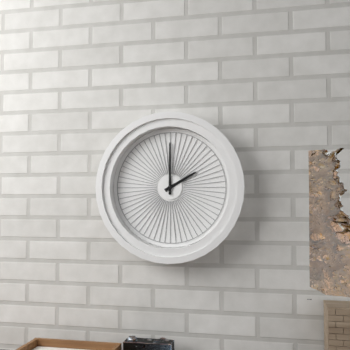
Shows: 2 h 00 min
